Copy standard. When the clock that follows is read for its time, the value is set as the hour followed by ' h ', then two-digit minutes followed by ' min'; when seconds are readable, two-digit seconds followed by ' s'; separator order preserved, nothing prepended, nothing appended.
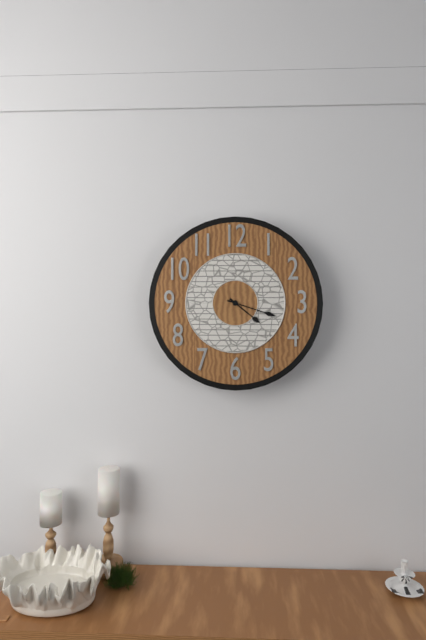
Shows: 4 h 18 min
